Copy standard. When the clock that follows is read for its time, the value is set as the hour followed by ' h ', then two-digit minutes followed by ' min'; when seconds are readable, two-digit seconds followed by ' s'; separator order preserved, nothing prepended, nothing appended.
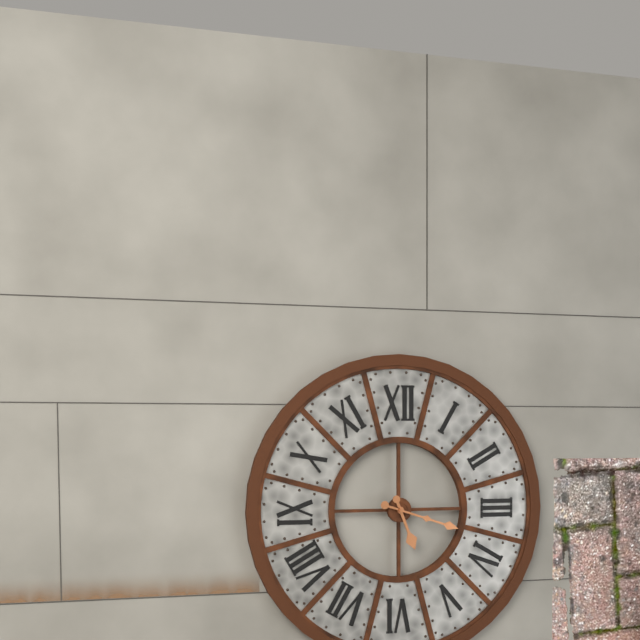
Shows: 5 h 18 min
